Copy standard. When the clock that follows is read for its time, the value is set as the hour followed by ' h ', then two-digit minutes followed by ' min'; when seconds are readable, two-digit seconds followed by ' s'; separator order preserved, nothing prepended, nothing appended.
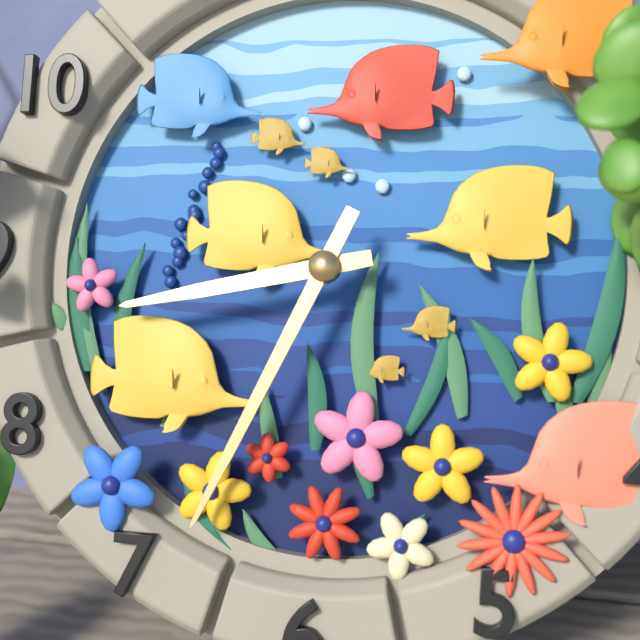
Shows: 8 h 34 min
